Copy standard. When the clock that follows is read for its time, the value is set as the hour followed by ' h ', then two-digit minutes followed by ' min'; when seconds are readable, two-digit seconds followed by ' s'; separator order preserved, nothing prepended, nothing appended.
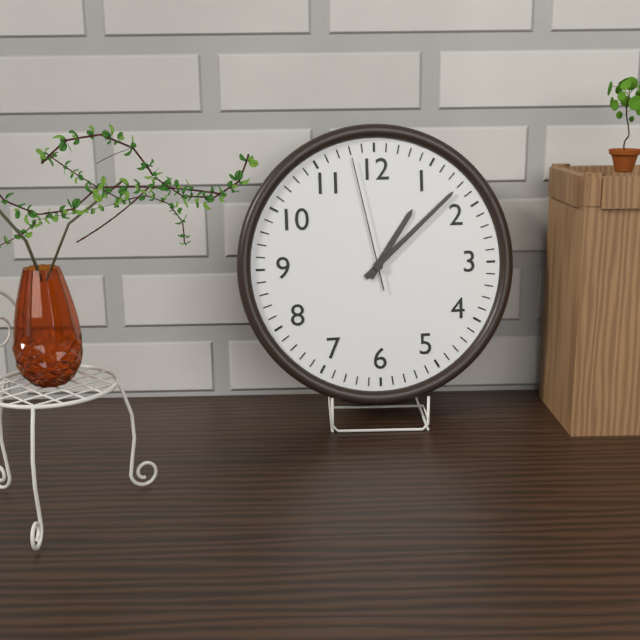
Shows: 1 h 08 min 58 s
